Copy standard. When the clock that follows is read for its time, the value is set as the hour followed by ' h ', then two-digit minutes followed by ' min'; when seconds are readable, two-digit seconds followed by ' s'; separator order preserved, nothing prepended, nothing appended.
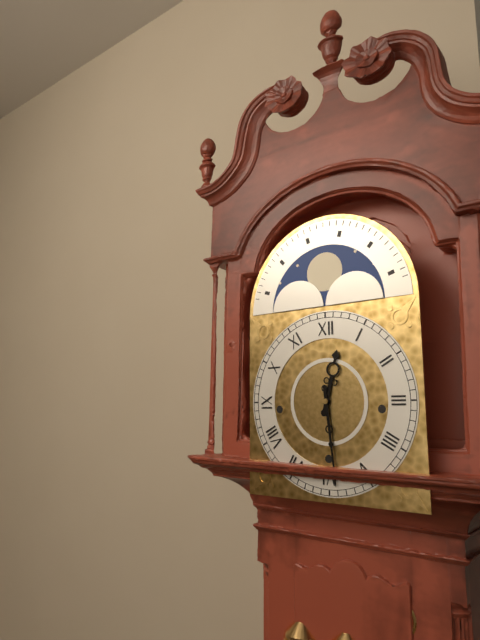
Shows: 12 h 29 min
